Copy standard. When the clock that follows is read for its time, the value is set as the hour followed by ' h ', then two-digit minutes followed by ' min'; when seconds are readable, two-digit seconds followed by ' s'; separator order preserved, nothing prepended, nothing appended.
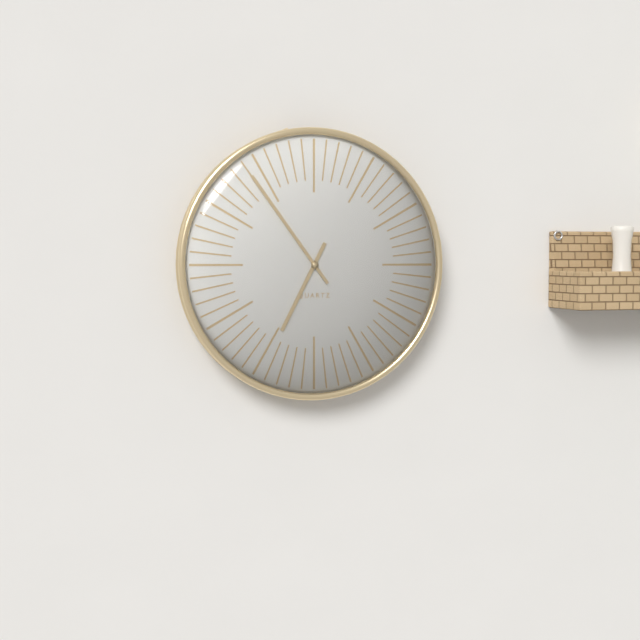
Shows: 6 h 54 min
